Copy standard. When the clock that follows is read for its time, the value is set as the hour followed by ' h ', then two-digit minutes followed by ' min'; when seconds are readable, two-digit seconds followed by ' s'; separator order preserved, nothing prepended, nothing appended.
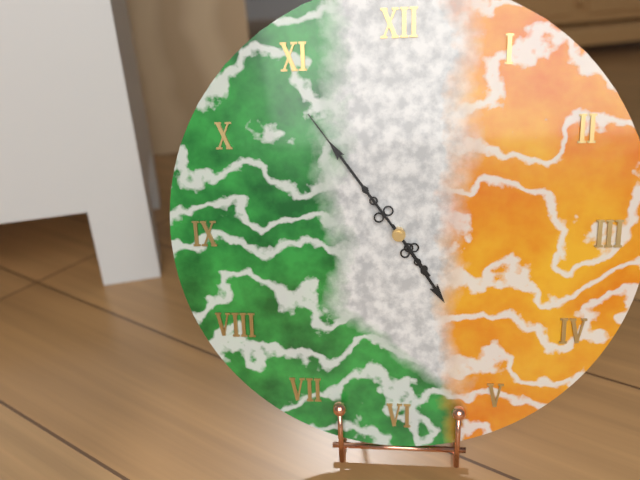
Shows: 4 h 54 min 54 s
